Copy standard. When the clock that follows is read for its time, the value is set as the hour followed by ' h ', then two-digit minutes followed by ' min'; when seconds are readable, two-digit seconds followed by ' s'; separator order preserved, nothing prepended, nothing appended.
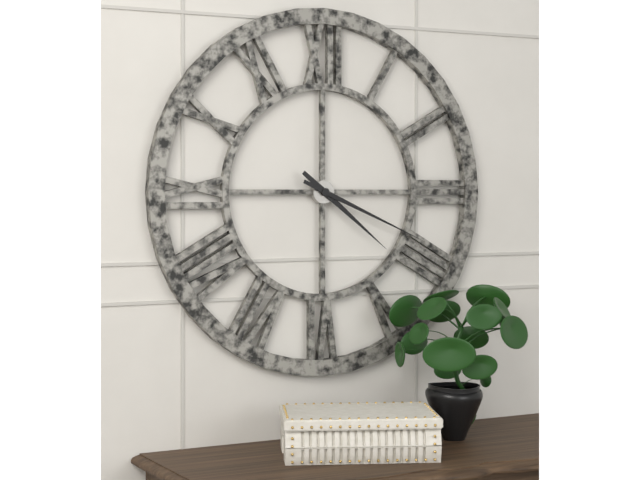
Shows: 4 h 19 min
